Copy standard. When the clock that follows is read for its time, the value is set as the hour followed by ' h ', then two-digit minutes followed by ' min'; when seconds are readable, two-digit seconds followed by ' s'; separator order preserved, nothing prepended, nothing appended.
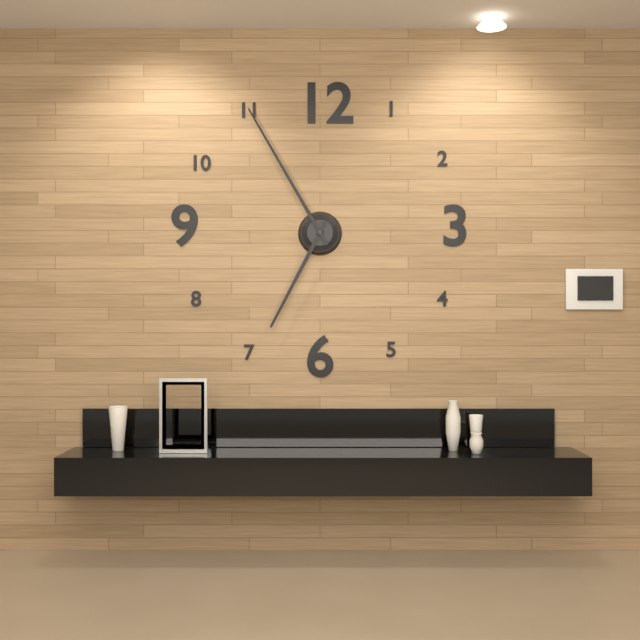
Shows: 6 h 55 min
